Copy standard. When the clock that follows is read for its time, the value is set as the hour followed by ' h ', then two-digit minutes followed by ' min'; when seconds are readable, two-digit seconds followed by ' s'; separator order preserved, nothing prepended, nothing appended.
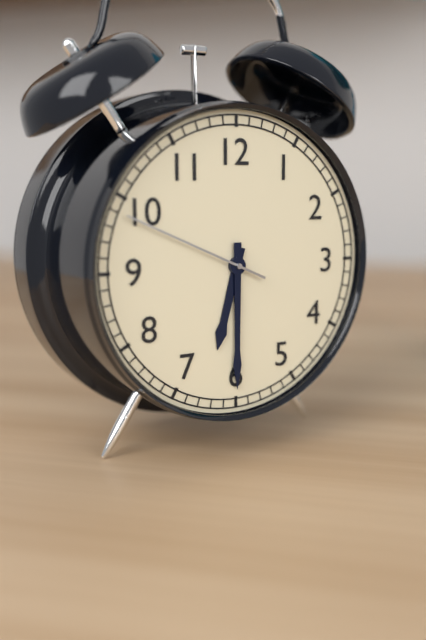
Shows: 6 h 30 min 49 s
